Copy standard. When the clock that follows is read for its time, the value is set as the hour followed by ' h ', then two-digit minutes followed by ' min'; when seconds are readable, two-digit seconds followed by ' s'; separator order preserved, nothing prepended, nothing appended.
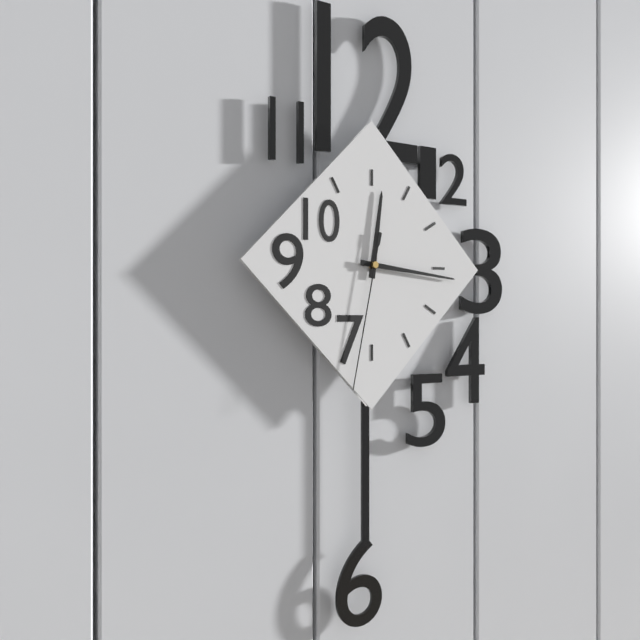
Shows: 12 h 16 min 32 s
